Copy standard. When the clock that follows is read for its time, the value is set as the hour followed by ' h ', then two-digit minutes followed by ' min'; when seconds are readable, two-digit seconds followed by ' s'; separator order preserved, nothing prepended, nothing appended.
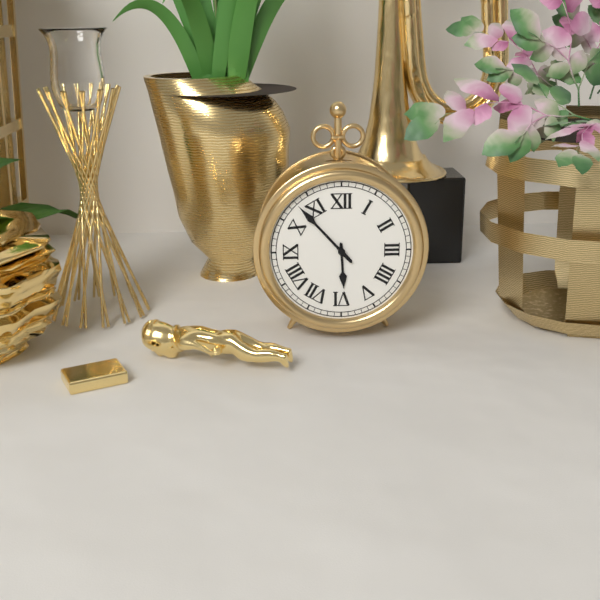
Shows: 5 h 53 min
